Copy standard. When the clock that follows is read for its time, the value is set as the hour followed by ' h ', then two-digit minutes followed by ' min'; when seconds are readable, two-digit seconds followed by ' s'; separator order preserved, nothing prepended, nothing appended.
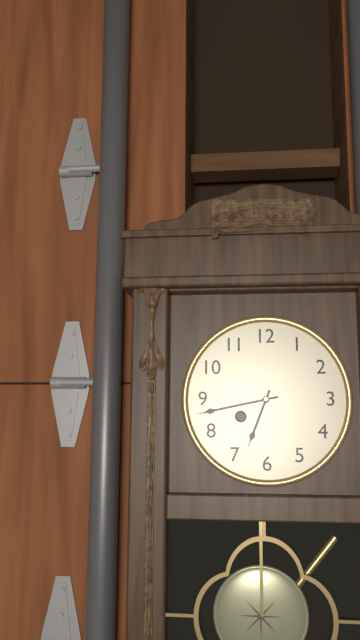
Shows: 6 h 43 min
